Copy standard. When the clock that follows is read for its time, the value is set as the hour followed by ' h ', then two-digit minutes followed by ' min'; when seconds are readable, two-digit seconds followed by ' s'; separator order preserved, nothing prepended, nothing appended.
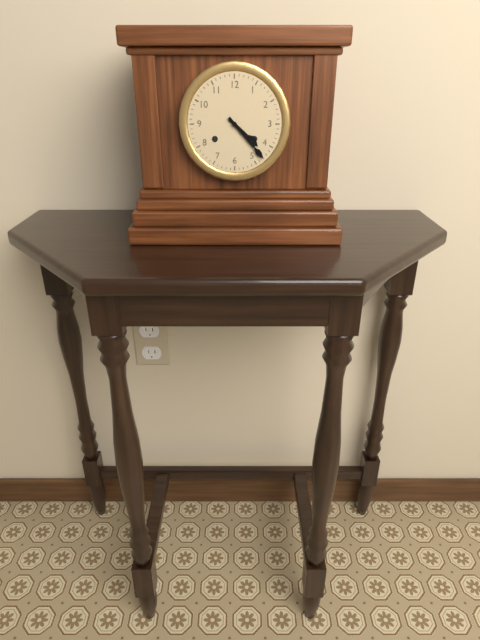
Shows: 4 h 23 min
